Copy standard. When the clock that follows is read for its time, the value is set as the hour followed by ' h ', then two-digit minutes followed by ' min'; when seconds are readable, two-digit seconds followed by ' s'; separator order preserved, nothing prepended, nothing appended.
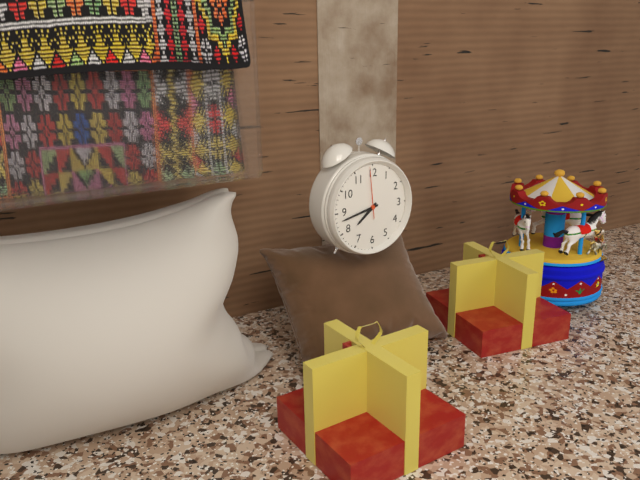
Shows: 7 h 43 min 59 s
